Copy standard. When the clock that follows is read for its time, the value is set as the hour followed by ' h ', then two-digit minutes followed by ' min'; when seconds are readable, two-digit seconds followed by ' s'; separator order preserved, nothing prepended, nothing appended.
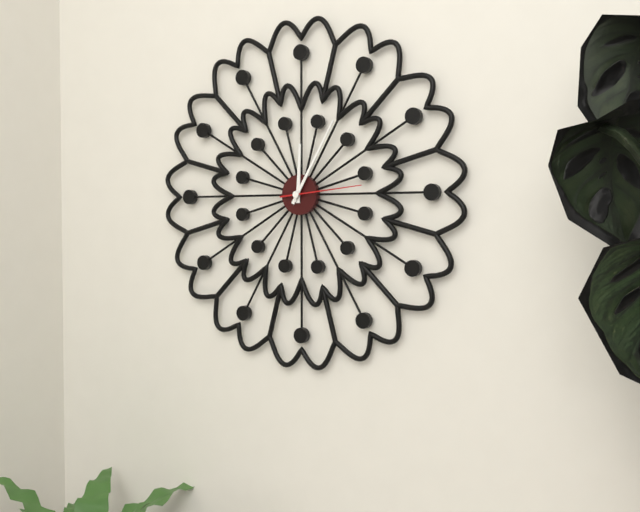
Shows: 12 h 05 min 14 s
